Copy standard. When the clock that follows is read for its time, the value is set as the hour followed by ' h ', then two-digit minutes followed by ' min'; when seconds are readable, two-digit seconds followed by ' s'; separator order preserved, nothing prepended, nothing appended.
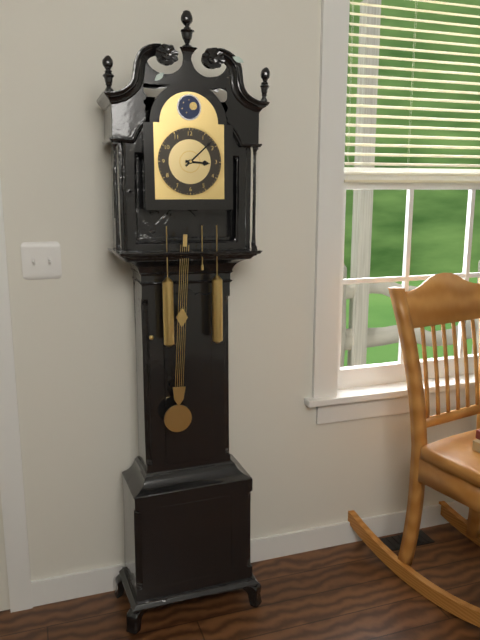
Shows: 3 h 08 min
